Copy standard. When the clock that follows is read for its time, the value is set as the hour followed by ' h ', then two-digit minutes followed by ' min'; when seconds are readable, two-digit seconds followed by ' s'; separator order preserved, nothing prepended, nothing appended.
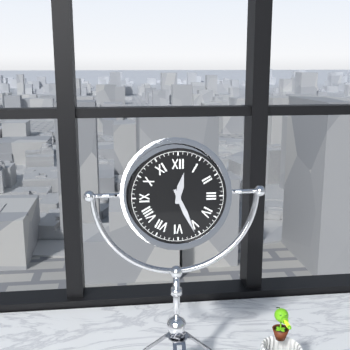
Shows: 12 h 26 min
